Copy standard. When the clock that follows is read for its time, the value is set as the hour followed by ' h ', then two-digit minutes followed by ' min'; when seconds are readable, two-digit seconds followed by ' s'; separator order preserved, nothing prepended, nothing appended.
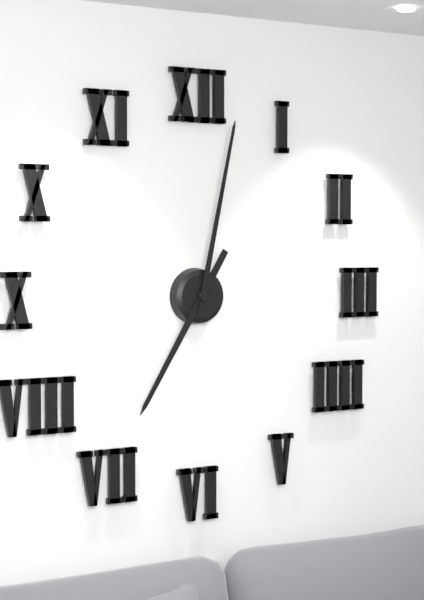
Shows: 7 h 02 min
